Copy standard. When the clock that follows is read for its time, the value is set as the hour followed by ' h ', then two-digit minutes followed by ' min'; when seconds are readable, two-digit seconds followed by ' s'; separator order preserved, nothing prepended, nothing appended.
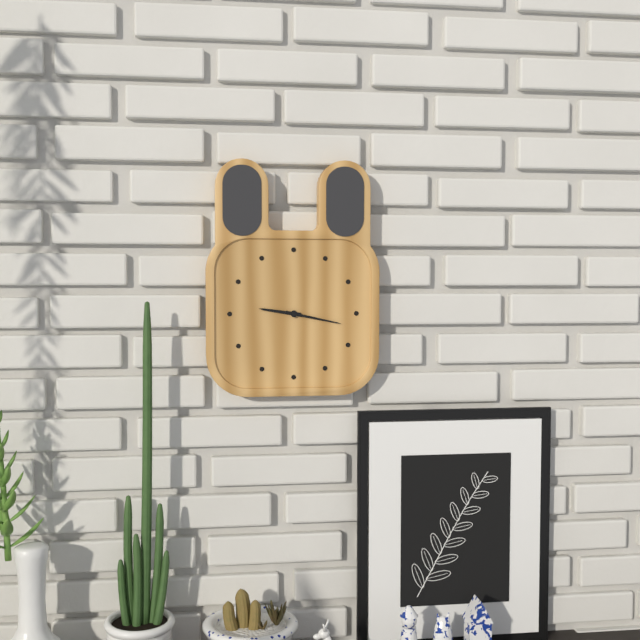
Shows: 9 h 17 min
